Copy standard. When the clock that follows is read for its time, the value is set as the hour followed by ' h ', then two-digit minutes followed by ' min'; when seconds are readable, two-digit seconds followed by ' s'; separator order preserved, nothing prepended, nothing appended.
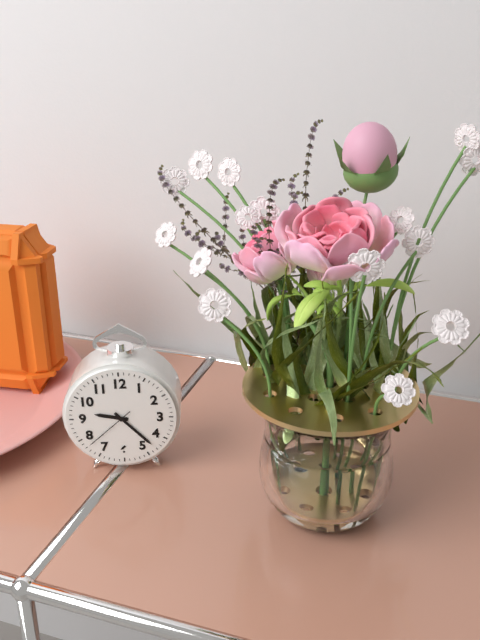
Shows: 9 h 23 min 38 s
